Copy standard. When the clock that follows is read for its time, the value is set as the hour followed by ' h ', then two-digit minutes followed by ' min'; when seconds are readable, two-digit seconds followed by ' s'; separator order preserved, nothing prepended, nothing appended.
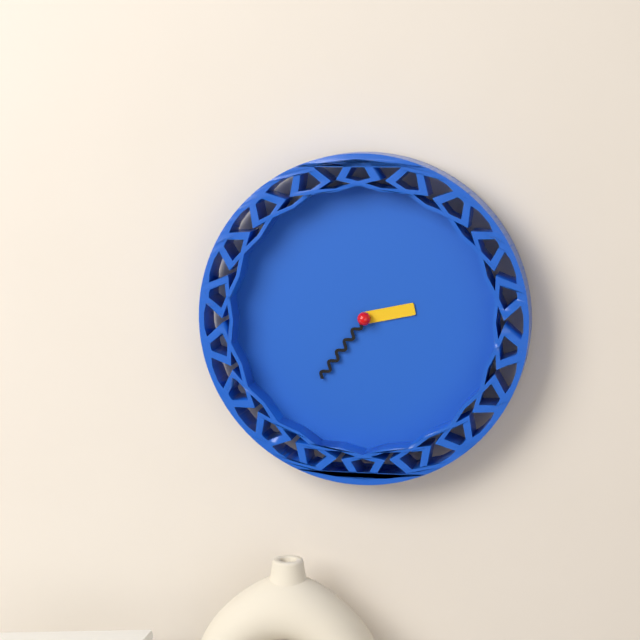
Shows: 2 h 36 min
